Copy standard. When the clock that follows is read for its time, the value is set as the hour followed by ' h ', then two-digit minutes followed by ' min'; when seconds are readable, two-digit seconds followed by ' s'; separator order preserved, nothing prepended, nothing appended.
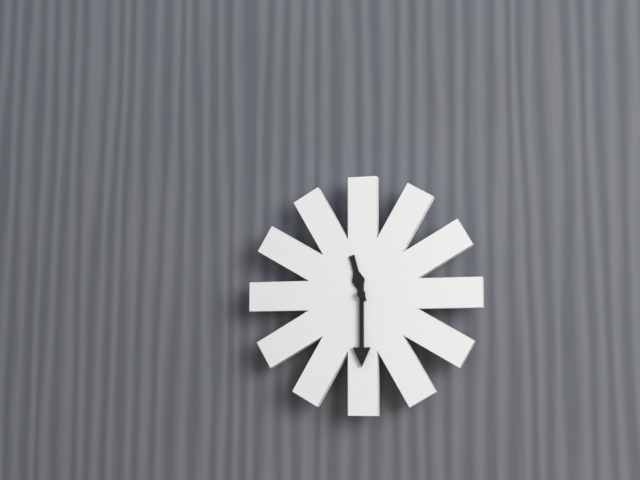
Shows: 11 h 30 min
